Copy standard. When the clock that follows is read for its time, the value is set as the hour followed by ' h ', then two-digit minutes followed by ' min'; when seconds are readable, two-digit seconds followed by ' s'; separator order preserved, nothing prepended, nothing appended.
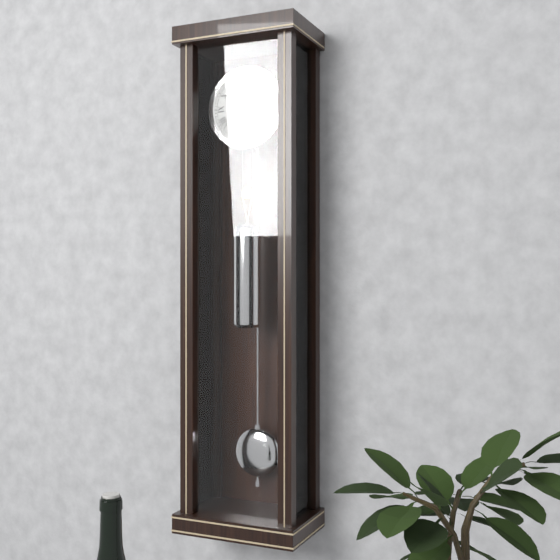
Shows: 11 h 31 min
